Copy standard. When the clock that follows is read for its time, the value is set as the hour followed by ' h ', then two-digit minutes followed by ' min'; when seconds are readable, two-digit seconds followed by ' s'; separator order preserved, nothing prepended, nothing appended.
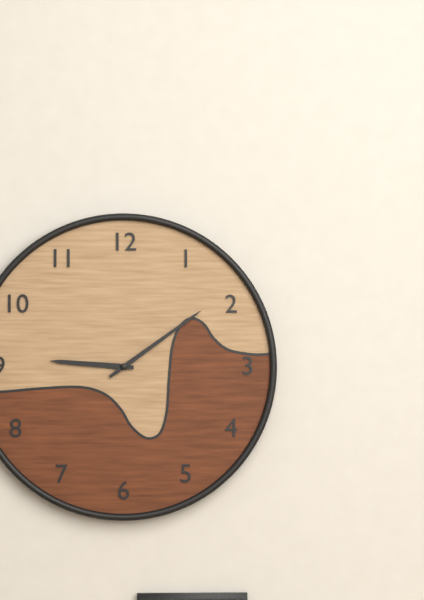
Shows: 9 h 09 min
